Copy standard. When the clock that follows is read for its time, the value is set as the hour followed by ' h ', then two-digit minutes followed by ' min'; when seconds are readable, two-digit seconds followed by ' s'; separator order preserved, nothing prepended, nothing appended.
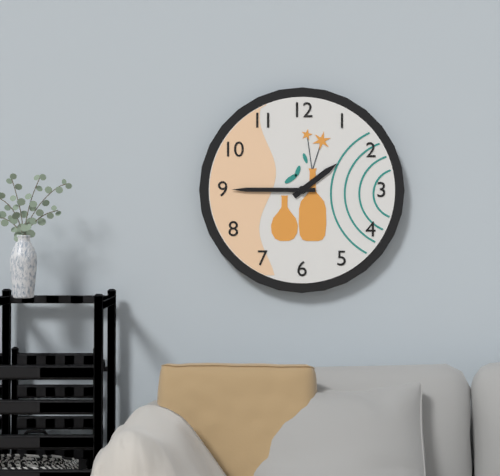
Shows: 1 h 45 min
